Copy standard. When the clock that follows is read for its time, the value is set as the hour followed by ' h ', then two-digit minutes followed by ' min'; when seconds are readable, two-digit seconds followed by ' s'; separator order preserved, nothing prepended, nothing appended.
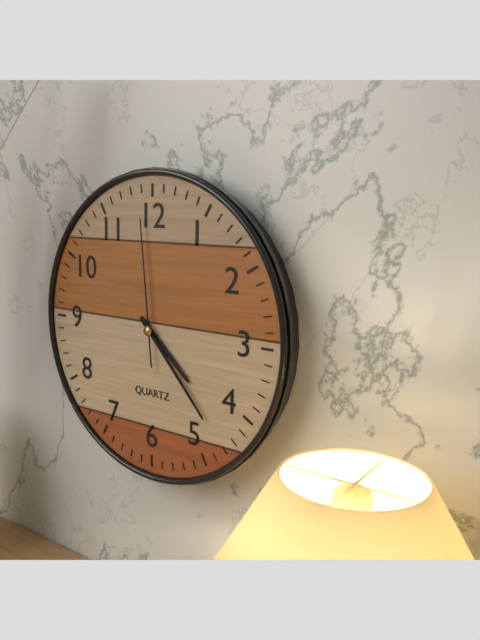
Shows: 4 h 23 min 59 s
